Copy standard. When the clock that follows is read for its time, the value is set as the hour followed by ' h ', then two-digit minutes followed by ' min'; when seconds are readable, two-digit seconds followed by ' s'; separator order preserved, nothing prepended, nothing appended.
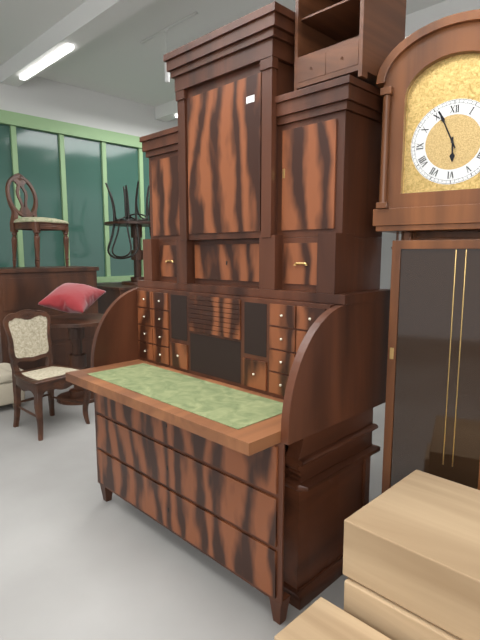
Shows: 5 h 56 min
